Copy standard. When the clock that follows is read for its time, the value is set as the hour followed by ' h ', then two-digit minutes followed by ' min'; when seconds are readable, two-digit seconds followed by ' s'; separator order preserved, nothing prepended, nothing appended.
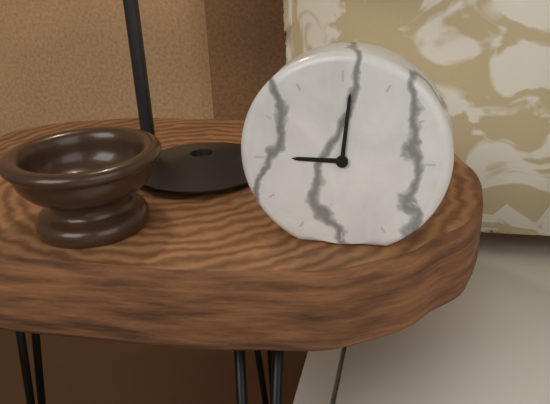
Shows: 9 h 01 min
